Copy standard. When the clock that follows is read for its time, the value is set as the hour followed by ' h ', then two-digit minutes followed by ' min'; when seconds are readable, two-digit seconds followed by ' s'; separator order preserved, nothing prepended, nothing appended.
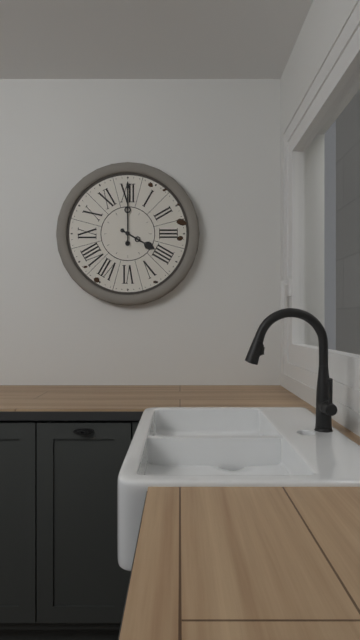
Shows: 4 h 00 min
